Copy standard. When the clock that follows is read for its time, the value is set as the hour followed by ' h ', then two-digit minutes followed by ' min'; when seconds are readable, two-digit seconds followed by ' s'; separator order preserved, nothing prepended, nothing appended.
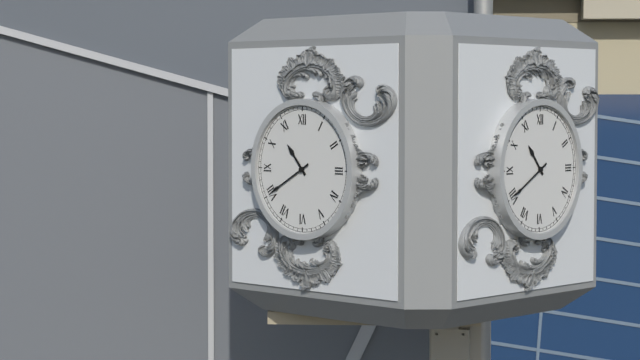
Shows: 10 h 40 min
